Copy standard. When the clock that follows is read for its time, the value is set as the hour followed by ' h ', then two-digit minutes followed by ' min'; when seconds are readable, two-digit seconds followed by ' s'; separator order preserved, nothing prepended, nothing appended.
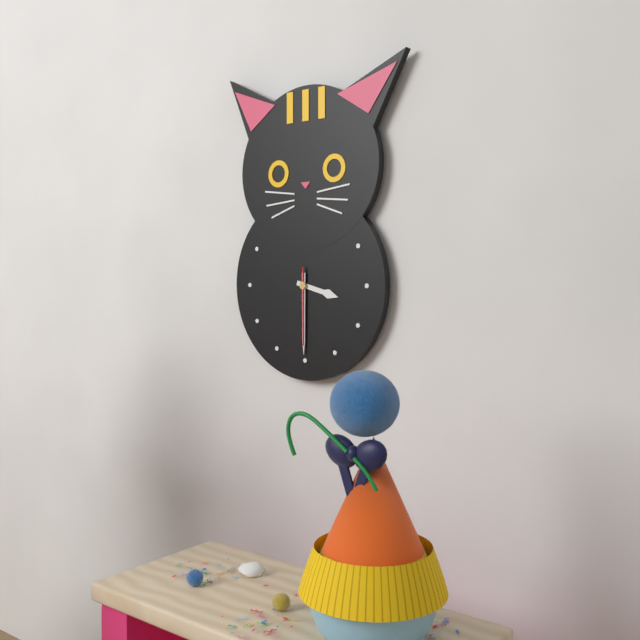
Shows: 3 h 30 min 30 s
